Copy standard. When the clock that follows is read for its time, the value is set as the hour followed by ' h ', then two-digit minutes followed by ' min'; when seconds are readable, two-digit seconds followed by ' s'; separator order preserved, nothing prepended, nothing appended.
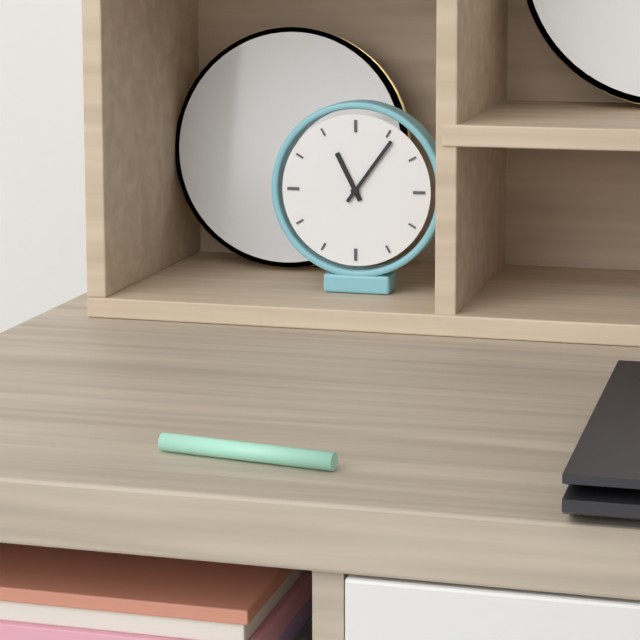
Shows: 11 h 06 min
